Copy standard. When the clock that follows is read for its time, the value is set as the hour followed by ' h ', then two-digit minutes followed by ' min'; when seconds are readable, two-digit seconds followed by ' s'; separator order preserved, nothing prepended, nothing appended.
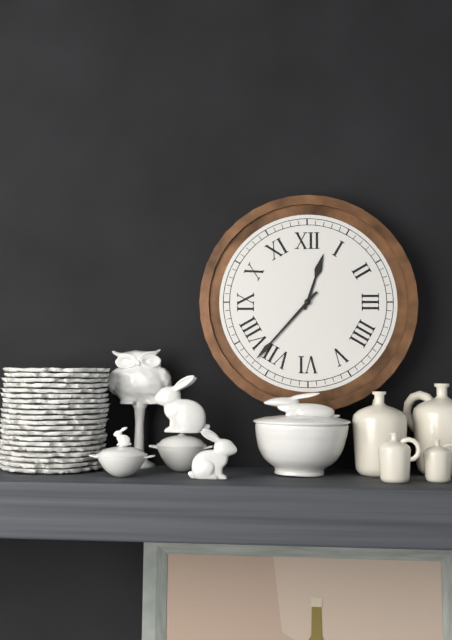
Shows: 12 h 37 min
